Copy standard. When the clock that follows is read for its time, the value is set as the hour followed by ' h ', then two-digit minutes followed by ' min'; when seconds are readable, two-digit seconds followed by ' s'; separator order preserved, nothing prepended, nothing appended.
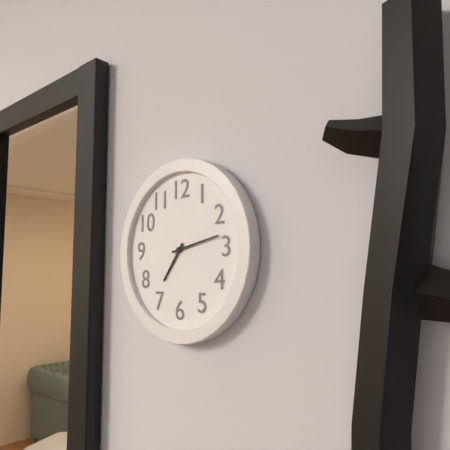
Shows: 7 h 13 min
